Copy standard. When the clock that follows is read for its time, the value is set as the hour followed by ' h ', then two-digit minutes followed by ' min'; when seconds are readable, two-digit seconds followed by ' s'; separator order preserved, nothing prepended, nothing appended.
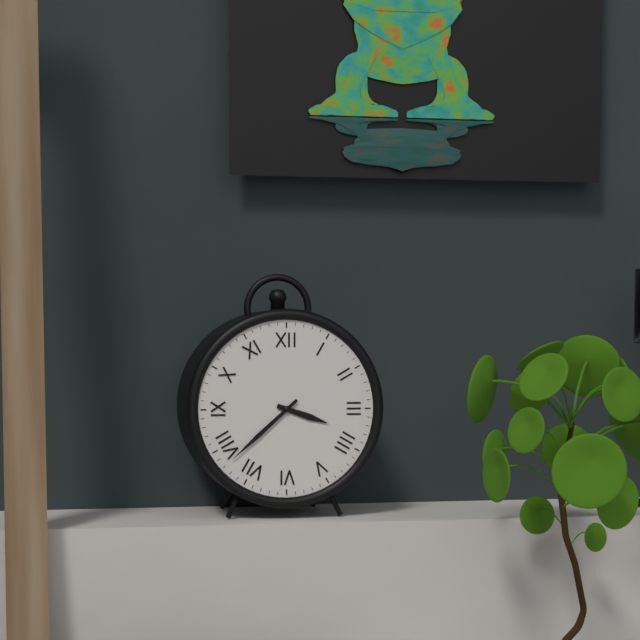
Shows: 3 h 38 min
